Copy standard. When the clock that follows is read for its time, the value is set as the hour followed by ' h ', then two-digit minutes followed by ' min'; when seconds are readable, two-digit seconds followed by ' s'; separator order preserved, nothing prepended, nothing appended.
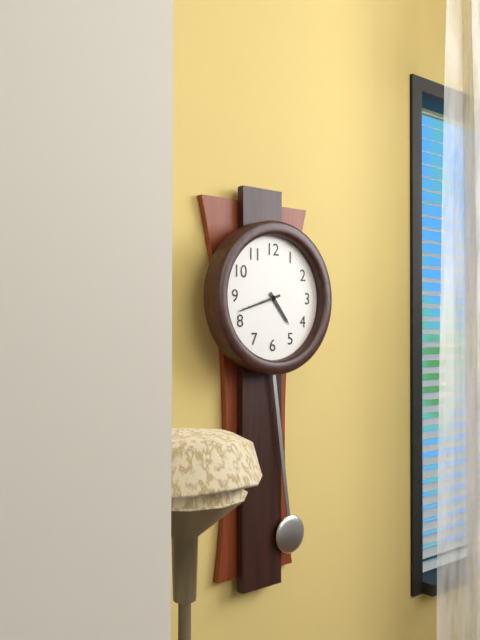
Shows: 4 h 42 min
